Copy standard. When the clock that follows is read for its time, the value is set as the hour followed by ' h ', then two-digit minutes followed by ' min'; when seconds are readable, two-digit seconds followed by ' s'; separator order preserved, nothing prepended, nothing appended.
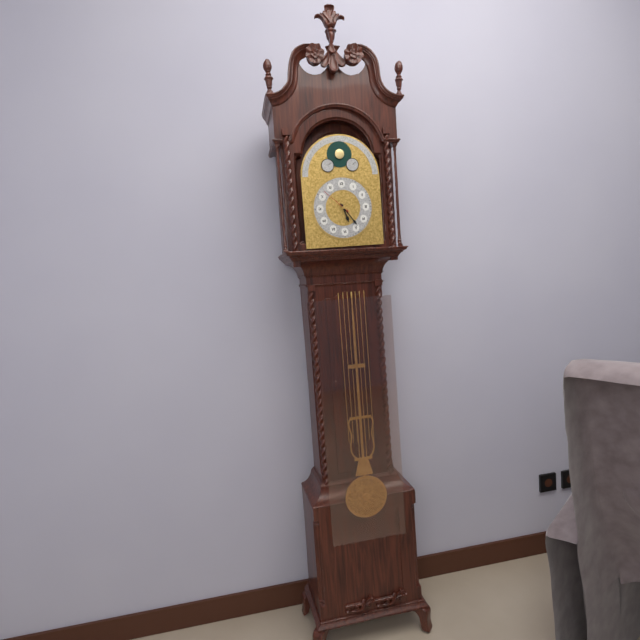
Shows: 5 h 24 min
